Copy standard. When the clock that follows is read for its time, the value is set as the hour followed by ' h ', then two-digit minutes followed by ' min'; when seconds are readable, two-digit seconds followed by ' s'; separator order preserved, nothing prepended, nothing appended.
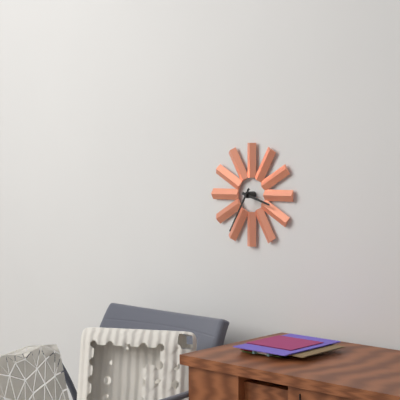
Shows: 3 h 35 min
